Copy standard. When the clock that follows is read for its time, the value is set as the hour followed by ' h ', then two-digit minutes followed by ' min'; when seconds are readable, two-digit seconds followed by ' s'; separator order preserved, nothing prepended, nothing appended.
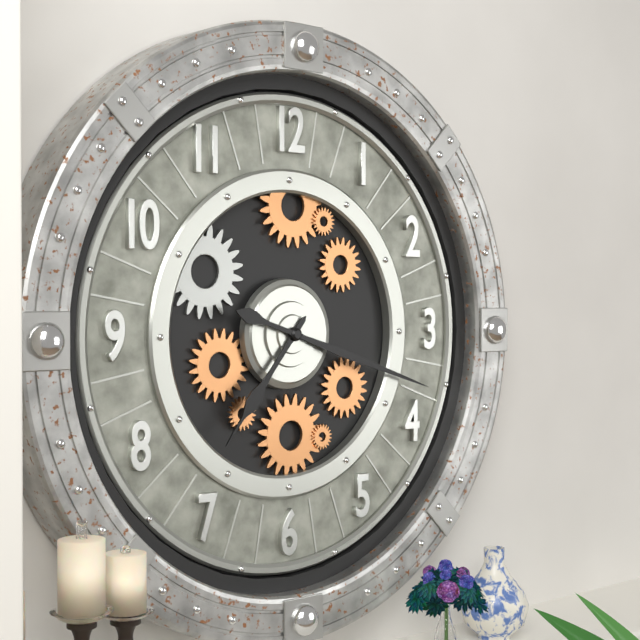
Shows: 7 h 18 min
